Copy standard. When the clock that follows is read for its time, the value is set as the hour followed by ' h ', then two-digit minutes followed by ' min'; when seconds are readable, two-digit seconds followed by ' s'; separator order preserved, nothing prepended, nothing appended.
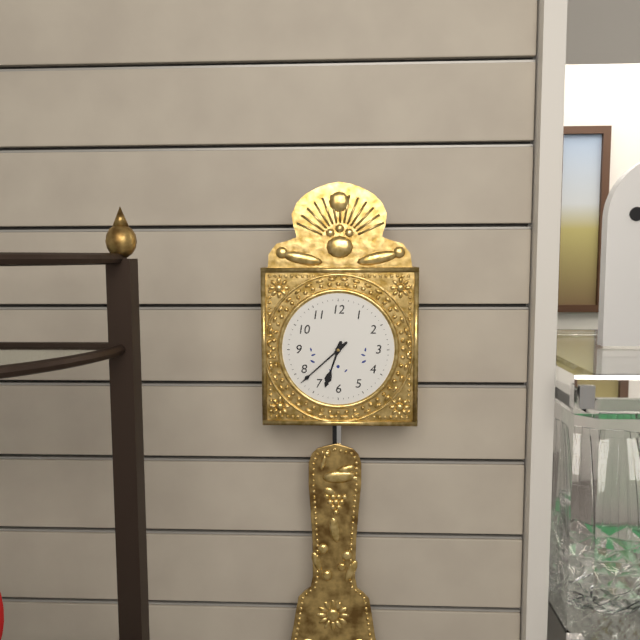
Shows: 6 h 38 min
